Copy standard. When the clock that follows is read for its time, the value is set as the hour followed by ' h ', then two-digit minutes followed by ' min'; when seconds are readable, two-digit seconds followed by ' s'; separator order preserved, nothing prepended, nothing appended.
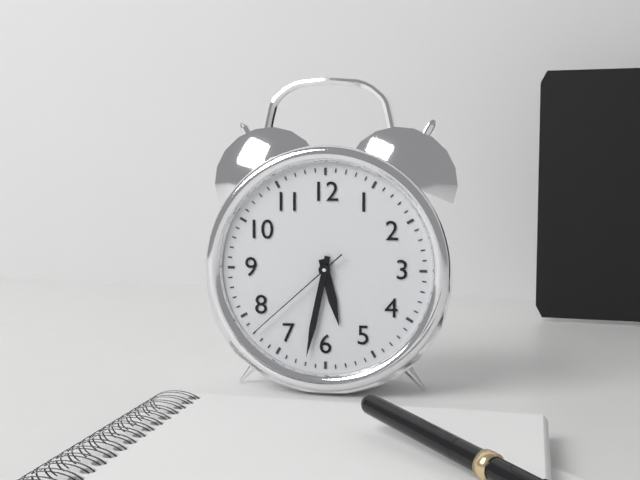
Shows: 5 h 32 min 38 s
